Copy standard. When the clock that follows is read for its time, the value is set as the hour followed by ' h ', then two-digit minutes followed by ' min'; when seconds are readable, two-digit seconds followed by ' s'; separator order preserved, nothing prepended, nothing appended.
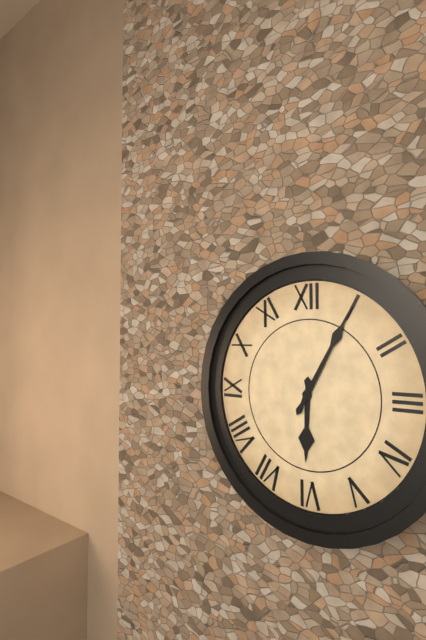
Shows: 6 h 05 min
